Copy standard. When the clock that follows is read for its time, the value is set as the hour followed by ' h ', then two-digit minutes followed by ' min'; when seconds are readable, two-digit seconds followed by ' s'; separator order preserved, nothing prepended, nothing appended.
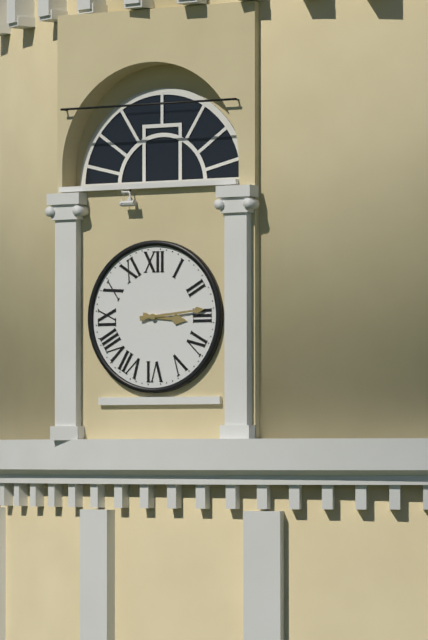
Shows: 3 h 14 min
